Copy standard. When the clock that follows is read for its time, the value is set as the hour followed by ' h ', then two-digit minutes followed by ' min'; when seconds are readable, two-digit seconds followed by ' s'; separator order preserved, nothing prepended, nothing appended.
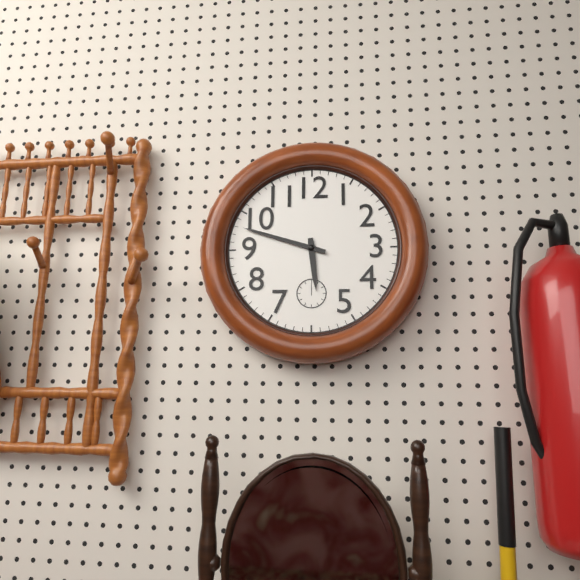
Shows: 5 h 48 min
